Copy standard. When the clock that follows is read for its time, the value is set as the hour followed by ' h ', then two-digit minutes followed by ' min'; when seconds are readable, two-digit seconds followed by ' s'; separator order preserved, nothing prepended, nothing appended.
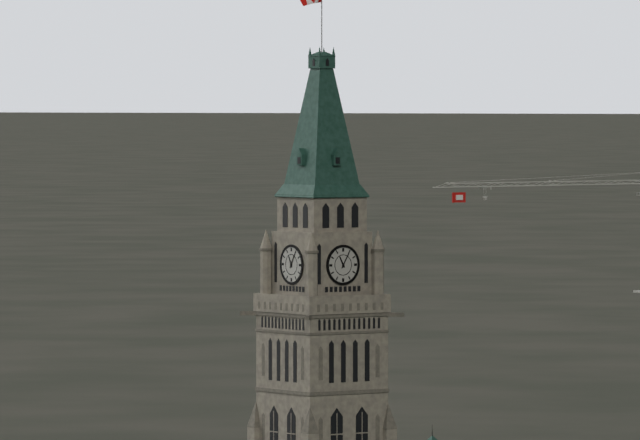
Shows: 11 h 05 min
